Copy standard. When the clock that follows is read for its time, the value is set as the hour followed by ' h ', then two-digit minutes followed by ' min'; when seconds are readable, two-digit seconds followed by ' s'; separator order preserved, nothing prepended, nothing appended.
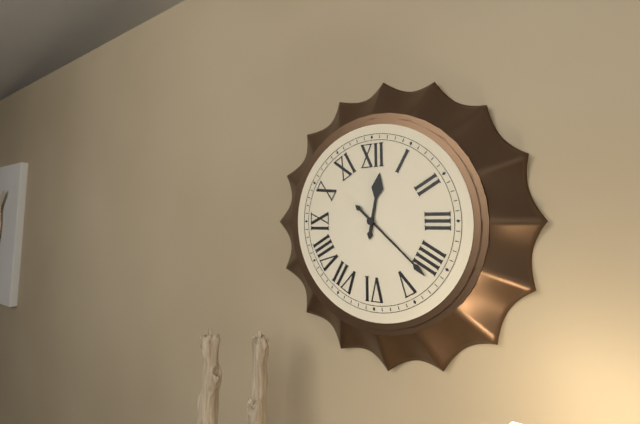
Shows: 12 h 22 min
